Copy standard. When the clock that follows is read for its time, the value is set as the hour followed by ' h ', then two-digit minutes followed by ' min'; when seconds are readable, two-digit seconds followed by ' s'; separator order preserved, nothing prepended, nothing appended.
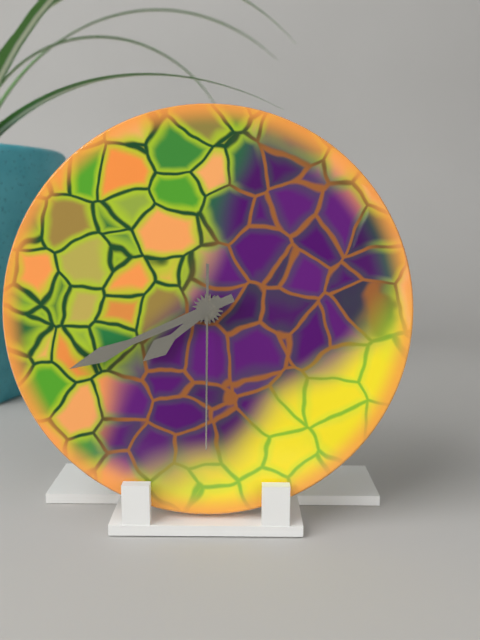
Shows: 7 h 41 min 30 s
